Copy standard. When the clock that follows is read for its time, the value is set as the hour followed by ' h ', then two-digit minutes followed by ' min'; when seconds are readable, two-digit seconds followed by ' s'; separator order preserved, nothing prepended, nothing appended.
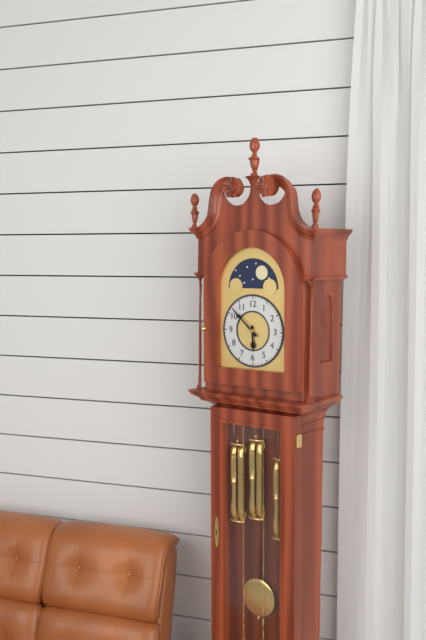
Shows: 5 h 52 min
